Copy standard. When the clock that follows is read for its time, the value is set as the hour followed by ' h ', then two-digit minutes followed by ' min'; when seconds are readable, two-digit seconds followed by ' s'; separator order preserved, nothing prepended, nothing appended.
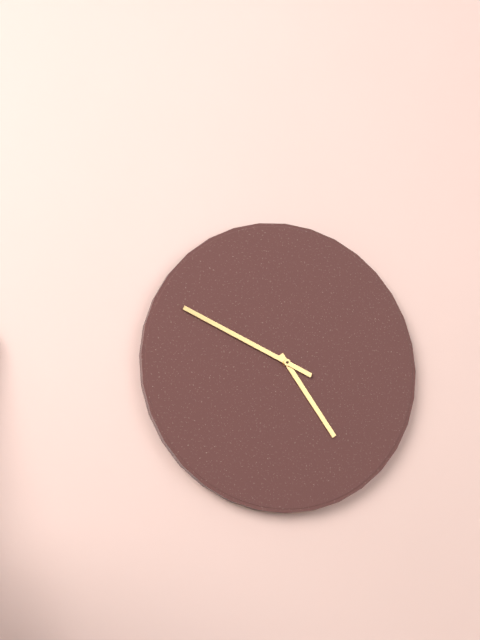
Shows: 4 h 49 min
